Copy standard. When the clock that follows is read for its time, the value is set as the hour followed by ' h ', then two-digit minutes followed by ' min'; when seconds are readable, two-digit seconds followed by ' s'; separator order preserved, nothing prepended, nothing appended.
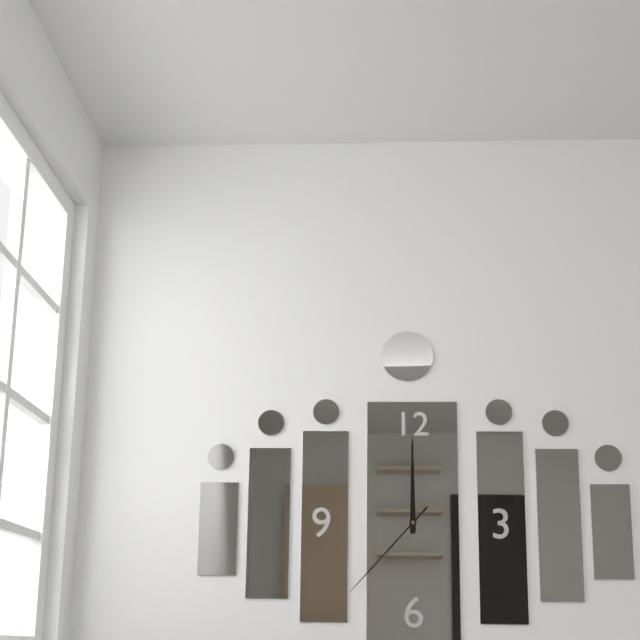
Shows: 12 h 00 min 37 s
